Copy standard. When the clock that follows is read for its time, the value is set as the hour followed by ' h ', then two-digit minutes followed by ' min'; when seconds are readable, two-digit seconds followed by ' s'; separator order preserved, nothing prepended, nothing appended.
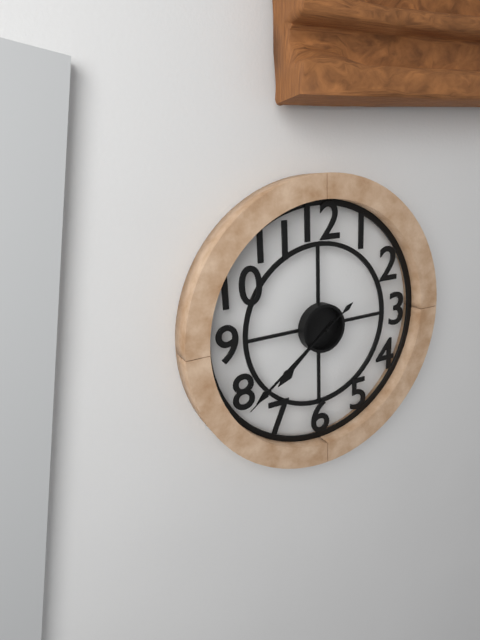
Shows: 7 h 39 min 39 s
